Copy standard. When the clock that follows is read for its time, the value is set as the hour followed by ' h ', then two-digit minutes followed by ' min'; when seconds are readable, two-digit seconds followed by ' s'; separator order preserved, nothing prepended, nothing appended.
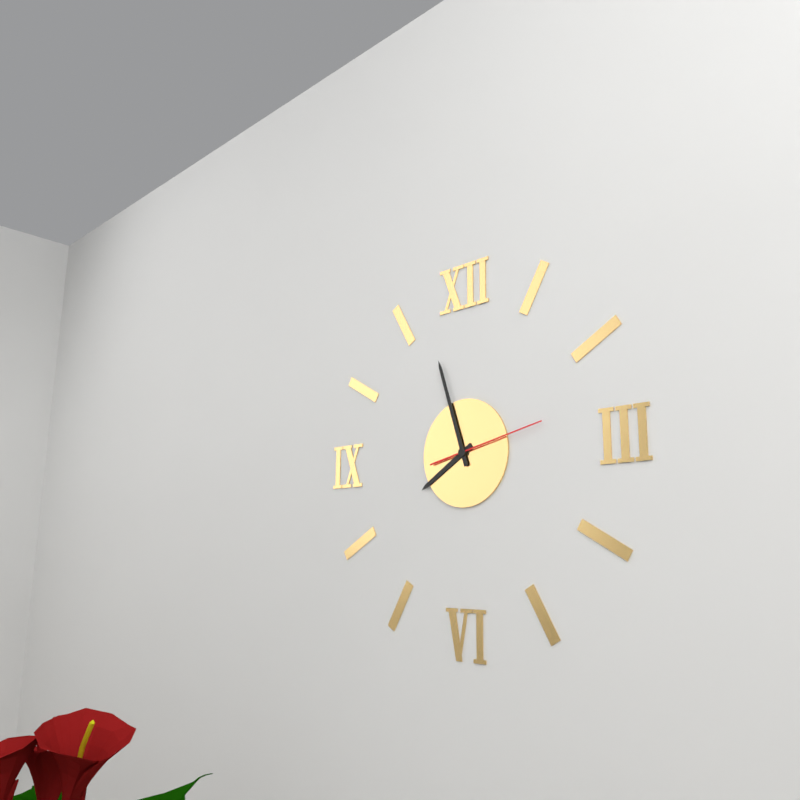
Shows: 7 h 57 min 13 s
